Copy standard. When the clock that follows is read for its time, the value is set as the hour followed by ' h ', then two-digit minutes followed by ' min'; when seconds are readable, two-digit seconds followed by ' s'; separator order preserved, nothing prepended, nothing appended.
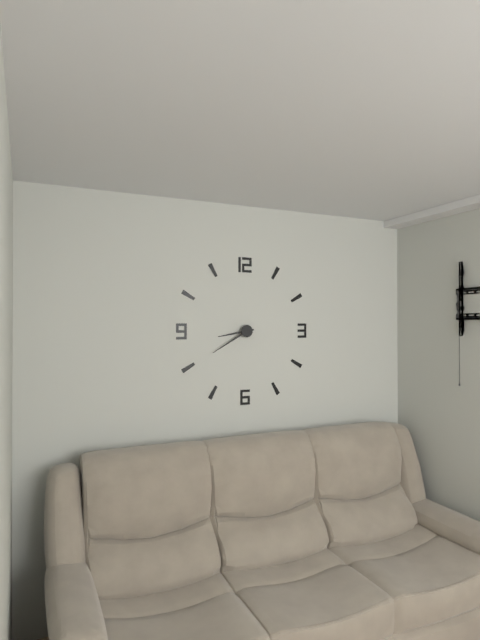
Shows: 8 h 40 min
